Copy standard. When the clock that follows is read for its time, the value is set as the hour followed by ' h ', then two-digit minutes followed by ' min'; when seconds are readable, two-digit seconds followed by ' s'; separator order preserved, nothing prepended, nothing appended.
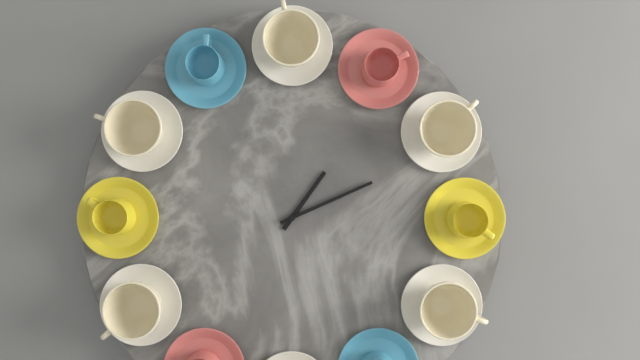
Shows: 1 h 11 min
